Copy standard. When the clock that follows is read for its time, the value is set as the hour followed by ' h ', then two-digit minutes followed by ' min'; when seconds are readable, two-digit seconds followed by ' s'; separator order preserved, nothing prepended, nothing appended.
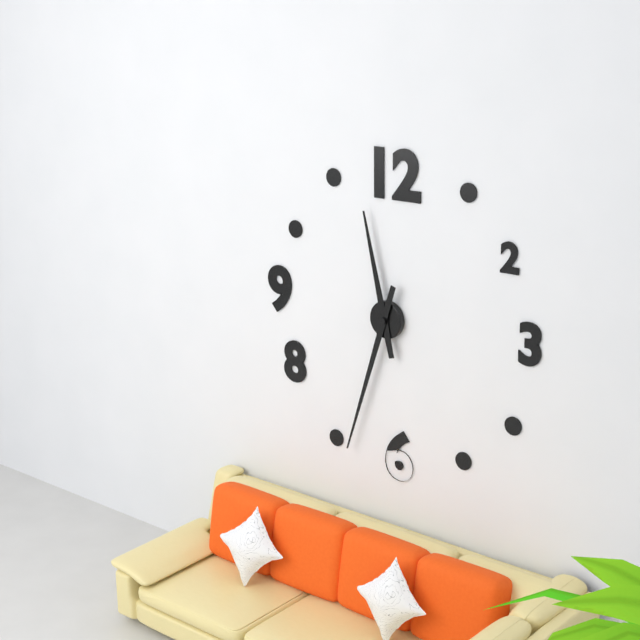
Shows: 11 h 33 min
